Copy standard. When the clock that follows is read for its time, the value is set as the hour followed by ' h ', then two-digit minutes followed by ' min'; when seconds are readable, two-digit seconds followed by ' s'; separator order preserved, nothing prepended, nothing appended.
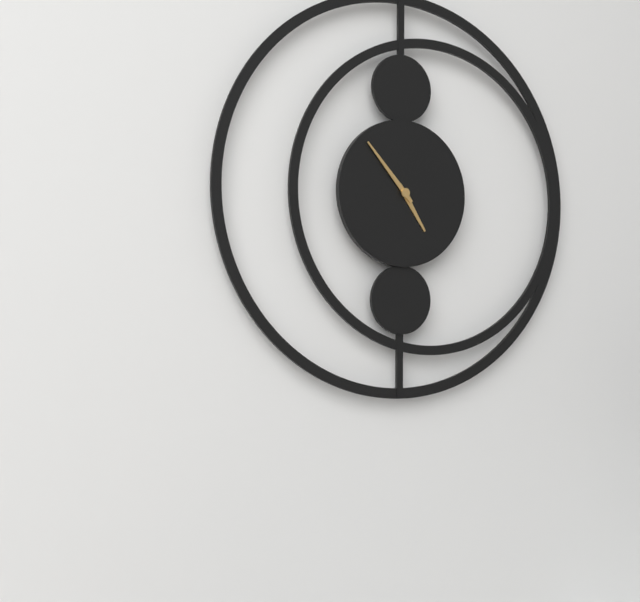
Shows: 4 h 53 min
